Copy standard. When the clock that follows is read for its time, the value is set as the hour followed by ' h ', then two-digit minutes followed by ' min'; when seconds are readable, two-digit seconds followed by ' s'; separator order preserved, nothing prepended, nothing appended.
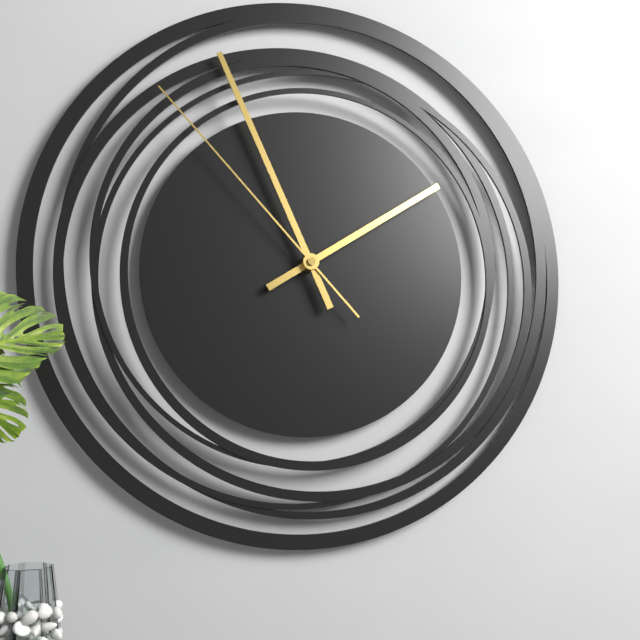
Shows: 1 h 56 min 53 s
